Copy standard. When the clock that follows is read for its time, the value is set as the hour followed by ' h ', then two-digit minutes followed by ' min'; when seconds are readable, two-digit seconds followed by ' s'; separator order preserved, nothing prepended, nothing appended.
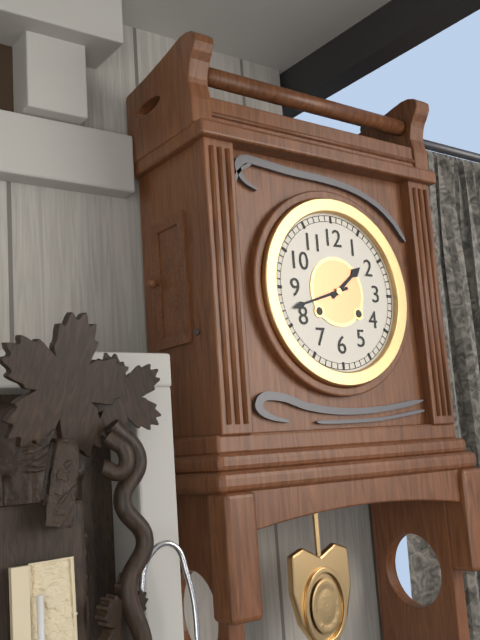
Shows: 1 h 42 min
